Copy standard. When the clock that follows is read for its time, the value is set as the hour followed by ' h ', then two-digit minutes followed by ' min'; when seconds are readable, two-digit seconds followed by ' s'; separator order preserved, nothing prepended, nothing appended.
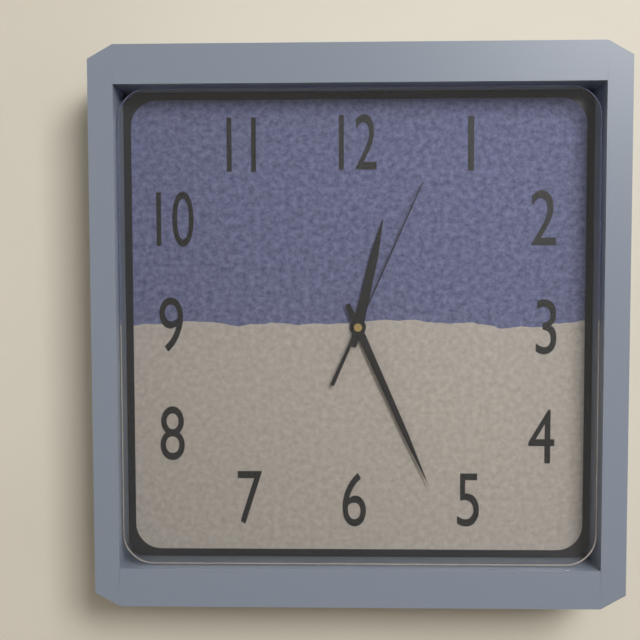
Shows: 12 h 26 min 04 s
